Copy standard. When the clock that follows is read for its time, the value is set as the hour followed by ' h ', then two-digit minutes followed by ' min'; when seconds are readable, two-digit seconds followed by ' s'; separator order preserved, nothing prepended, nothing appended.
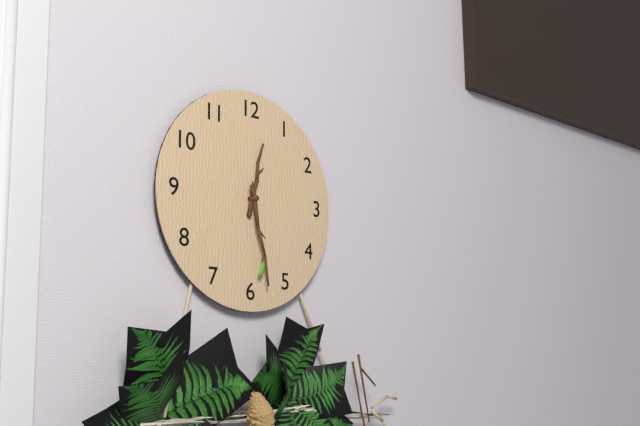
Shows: 12 h 28 min
